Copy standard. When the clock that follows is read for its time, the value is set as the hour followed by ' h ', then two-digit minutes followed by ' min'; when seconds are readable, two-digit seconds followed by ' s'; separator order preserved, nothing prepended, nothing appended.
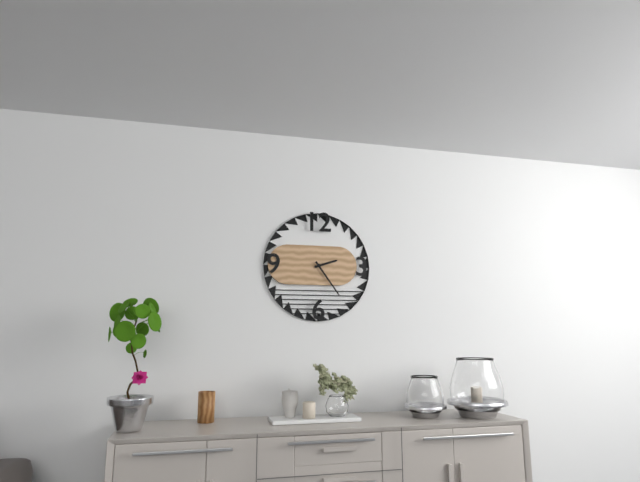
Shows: 2 h 24 min
